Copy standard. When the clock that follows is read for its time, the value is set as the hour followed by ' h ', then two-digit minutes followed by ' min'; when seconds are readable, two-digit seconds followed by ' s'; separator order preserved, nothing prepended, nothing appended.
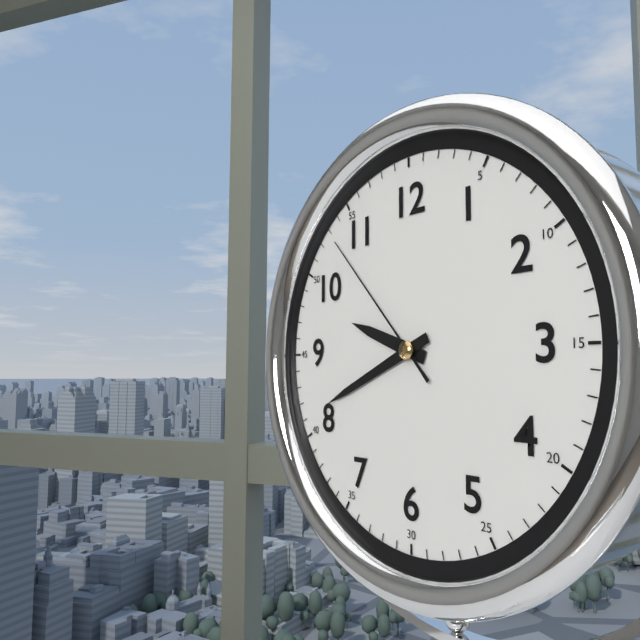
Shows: 9 h 41 min 53 s
